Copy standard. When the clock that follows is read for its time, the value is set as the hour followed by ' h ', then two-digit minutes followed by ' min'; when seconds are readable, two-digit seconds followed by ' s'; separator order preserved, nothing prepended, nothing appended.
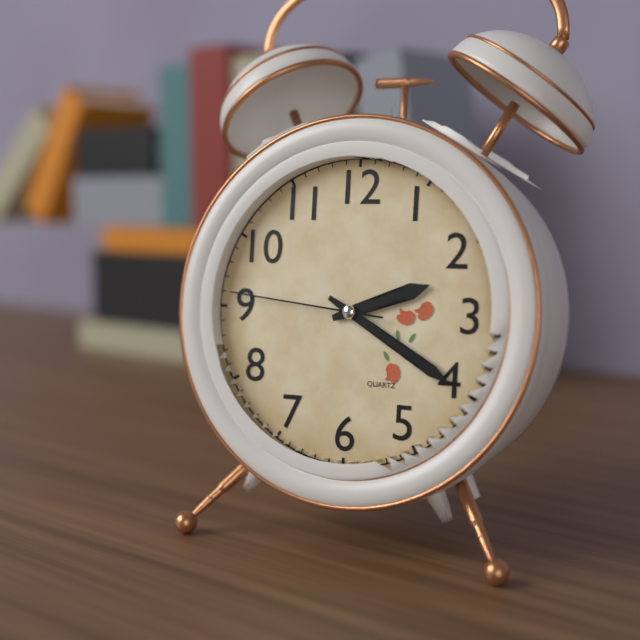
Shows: 2 h 20 min 46 s
